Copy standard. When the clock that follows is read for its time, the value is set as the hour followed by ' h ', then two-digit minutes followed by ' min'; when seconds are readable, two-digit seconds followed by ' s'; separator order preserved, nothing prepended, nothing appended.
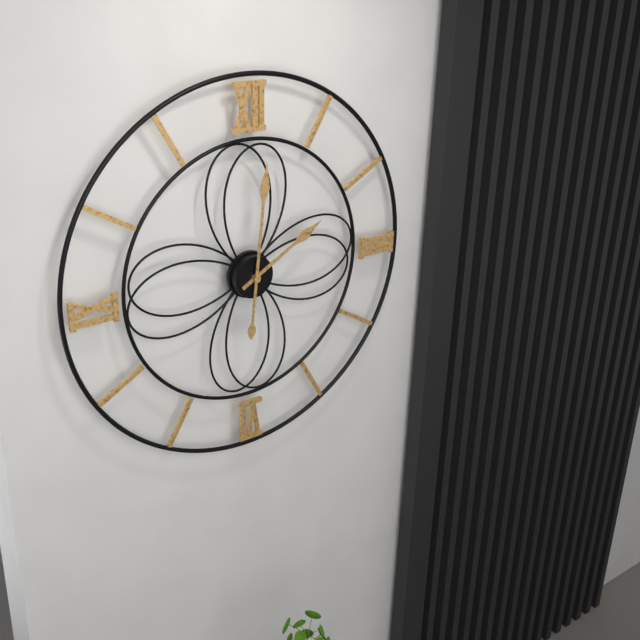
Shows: 2 h 01 min
